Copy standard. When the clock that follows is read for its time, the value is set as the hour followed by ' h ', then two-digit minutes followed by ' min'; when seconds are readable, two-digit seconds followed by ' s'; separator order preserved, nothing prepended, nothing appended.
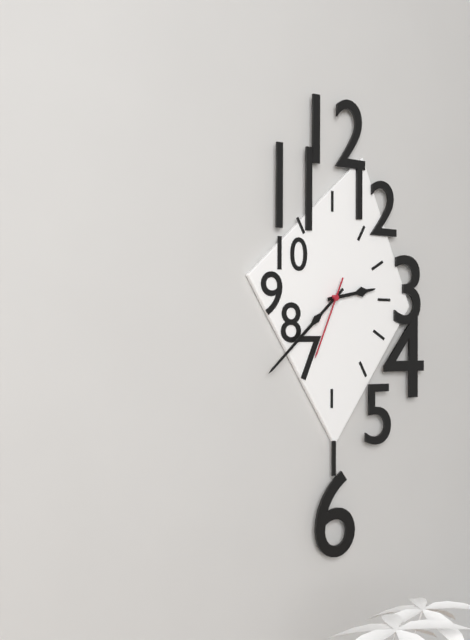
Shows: 2 h 38 min 34 s
